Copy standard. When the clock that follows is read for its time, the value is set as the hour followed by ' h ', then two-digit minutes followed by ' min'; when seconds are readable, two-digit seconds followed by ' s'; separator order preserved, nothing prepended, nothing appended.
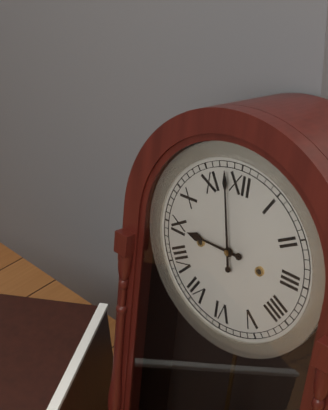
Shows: 8 h 58 min
